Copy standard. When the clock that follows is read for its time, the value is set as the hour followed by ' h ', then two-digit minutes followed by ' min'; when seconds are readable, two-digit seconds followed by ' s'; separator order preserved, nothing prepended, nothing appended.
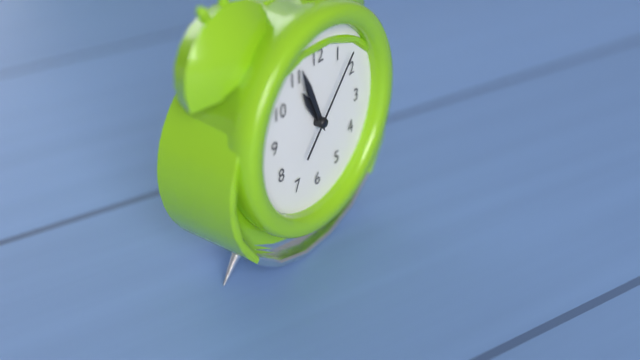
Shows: 10 h 56 min 07 s
